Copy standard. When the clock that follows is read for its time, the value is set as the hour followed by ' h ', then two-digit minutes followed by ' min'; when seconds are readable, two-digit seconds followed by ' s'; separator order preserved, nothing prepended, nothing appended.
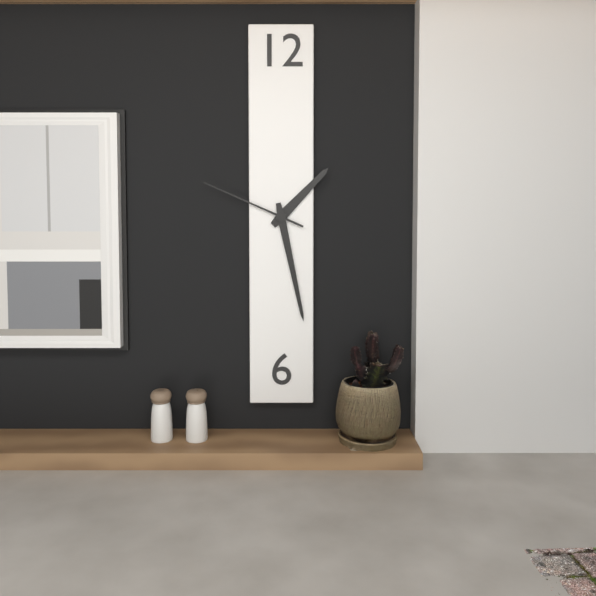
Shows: 1 h 28 min 49 s
